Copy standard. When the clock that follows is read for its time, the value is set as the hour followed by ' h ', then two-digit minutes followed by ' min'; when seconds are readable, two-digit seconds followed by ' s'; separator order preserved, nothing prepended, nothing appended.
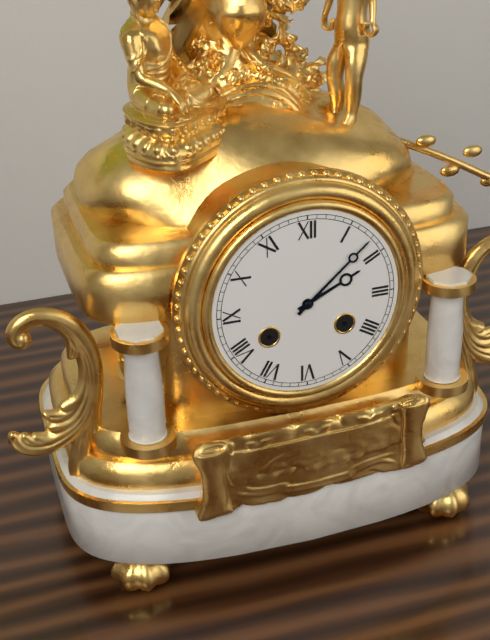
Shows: 2 h 08 min
